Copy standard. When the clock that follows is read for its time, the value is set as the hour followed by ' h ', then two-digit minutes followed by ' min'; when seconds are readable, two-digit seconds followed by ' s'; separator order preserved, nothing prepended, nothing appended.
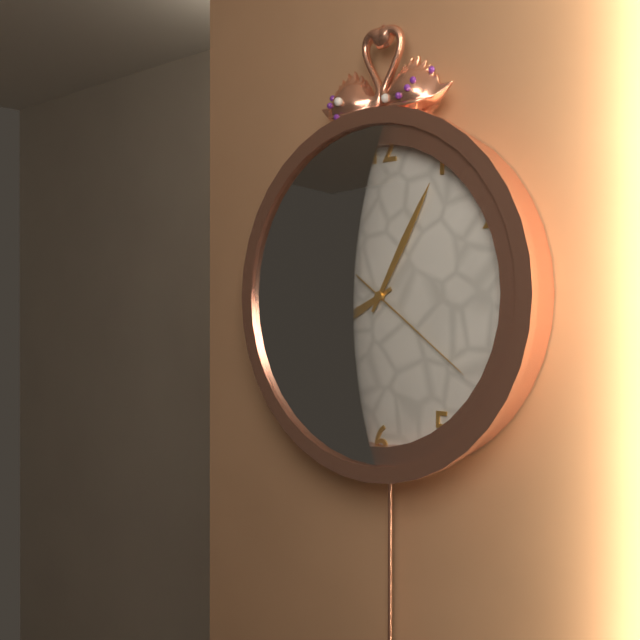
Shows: 8 h 05 min 21 s
